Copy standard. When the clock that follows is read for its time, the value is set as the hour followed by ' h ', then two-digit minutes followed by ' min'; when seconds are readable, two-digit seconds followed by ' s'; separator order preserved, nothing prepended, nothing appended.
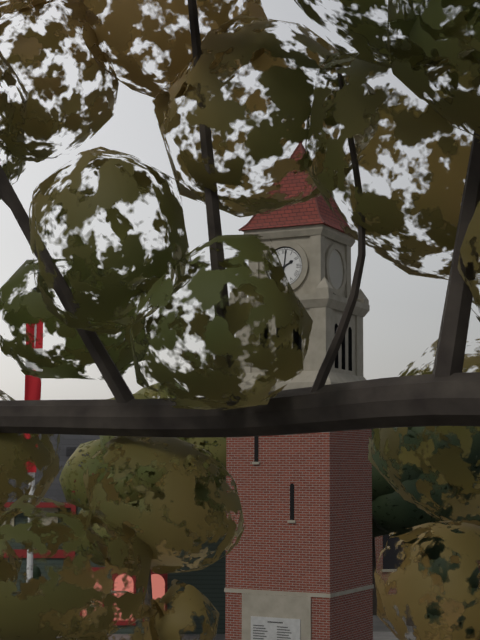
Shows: 2 h 01 min
